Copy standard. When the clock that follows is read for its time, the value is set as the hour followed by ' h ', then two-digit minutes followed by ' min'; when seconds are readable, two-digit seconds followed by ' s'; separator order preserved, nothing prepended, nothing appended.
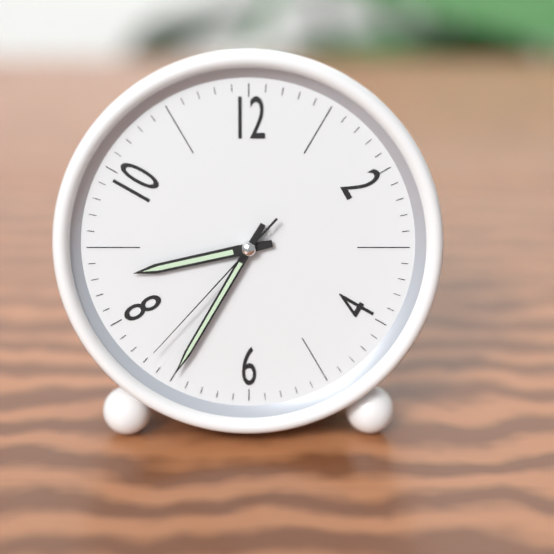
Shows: 8 h 35 min 37 s
